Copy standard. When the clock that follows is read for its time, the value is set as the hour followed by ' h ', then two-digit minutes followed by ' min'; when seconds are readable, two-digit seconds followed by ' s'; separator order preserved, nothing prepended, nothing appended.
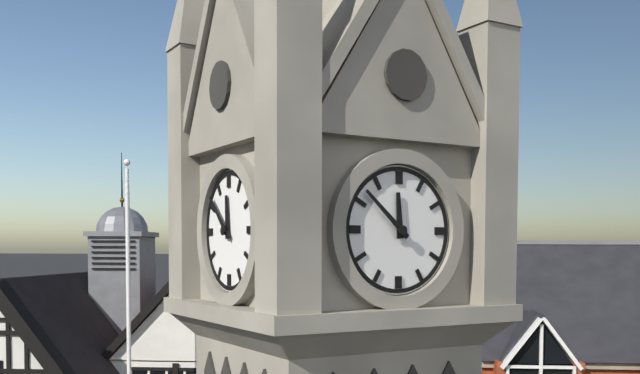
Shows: 11 h 52 min
